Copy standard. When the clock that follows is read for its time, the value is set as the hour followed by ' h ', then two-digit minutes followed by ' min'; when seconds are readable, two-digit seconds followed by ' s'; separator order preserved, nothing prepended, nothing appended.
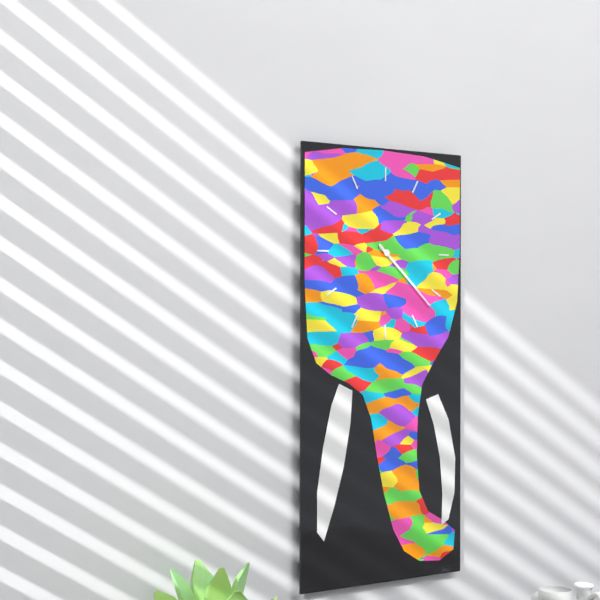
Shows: 4 h 22 min
